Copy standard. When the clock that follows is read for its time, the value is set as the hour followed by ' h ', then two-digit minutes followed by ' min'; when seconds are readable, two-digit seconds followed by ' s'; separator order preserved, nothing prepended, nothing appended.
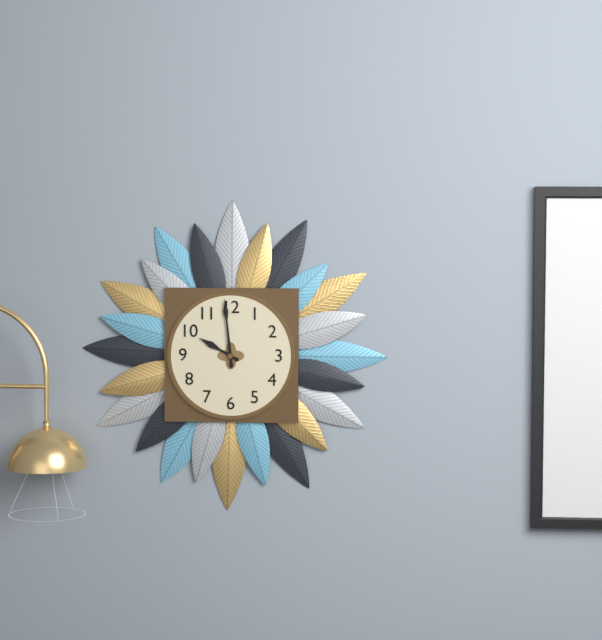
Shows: 9 h 59 min
